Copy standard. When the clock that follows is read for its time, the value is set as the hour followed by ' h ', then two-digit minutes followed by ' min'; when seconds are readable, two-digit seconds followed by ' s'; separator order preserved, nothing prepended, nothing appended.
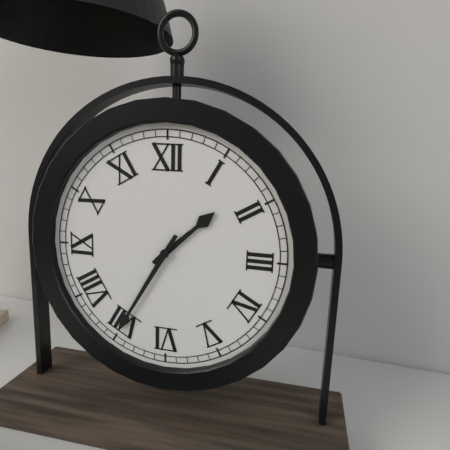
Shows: 1 h 35 min
